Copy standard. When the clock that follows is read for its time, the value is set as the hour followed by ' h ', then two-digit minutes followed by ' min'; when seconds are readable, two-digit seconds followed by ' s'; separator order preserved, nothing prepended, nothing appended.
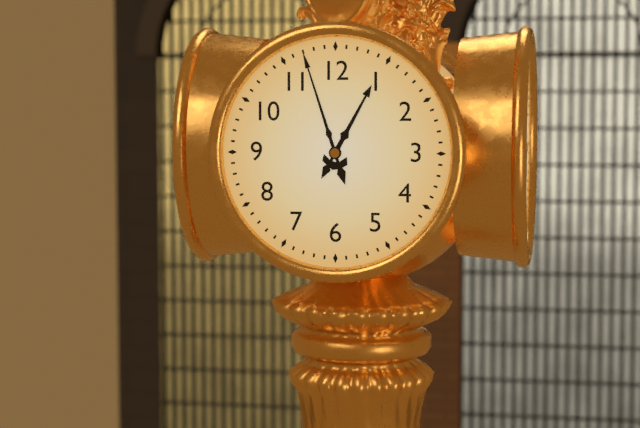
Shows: 12 h 57 min
